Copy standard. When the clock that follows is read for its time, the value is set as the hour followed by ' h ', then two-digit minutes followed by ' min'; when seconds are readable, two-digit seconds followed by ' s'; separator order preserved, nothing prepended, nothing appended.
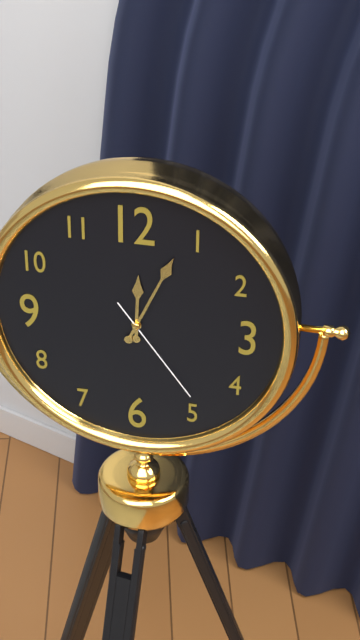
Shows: 12 h 04 min 24 s
